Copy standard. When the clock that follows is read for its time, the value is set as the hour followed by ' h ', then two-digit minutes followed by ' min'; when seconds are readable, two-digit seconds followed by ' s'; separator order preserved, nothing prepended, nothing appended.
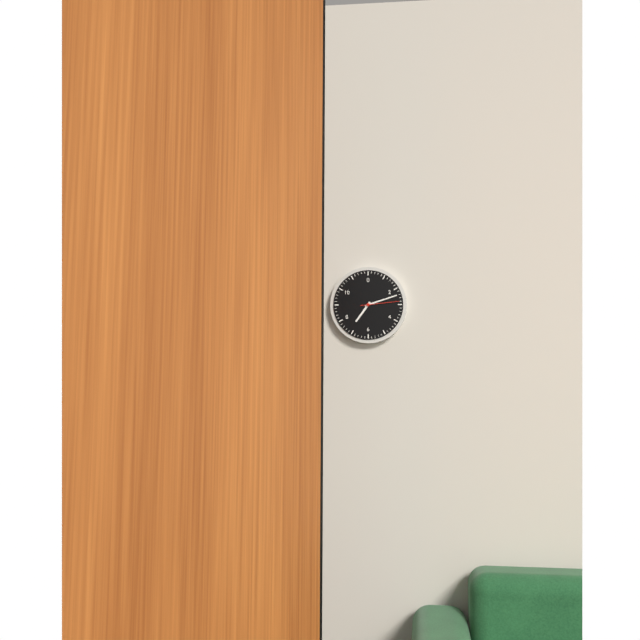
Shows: 7 h 12 min
